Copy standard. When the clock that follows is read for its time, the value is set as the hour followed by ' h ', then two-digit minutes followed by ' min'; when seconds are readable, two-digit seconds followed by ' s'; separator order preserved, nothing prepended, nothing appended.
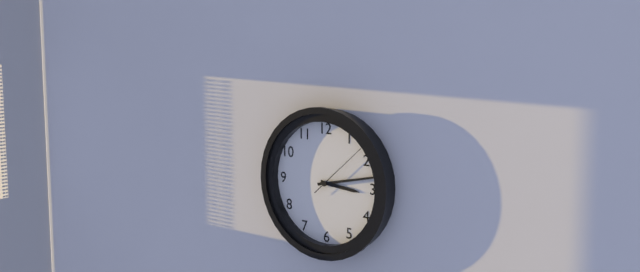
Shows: 3 h 13 min 08 s
